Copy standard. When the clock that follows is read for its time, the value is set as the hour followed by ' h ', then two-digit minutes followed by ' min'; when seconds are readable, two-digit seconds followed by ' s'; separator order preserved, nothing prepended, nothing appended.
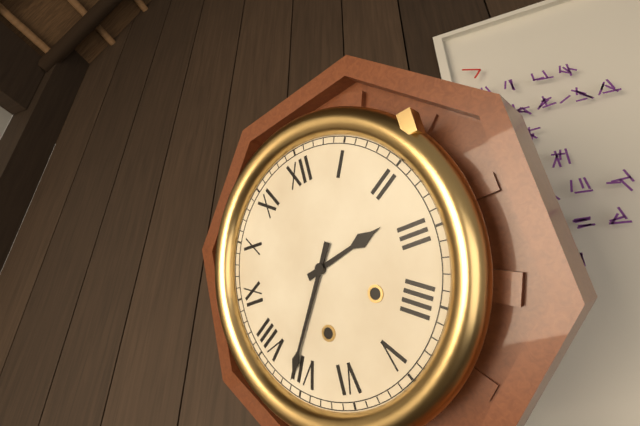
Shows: 2 h 36 min
